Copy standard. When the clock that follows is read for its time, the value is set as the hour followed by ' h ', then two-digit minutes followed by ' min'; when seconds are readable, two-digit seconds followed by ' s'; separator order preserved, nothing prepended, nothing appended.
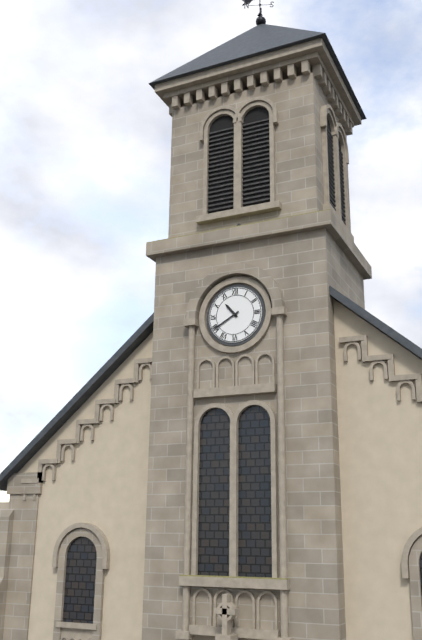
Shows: 10 h 40 min
